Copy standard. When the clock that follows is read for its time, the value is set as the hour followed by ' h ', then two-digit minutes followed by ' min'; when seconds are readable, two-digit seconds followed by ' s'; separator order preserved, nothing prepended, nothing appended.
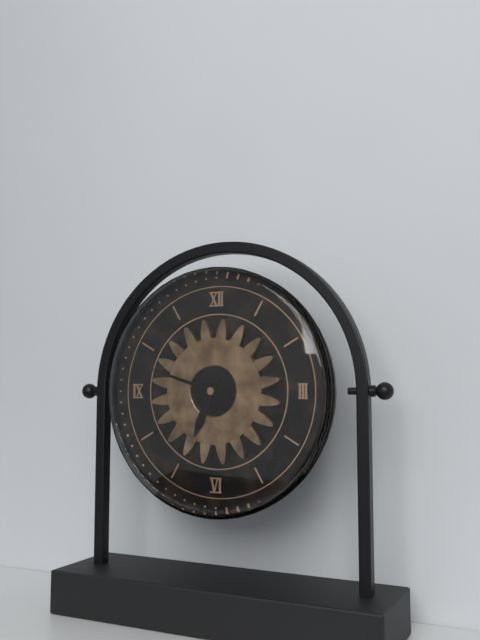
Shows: 6 h 48 min
